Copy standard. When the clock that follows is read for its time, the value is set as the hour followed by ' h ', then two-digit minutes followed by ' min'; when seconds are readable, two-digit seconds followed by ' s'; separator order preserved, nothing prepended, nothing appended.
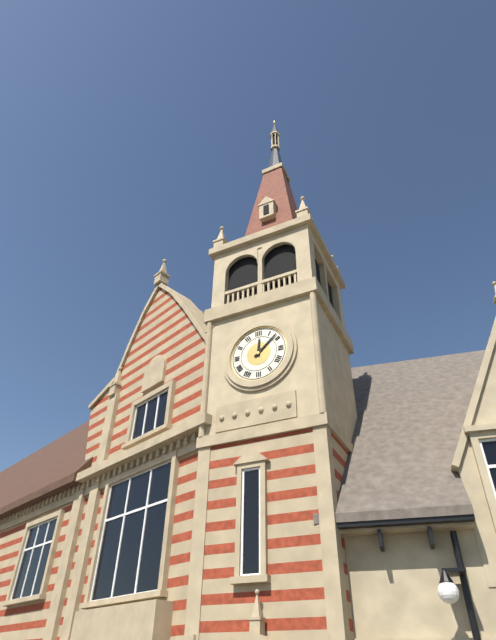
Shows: 12 h 08 min
